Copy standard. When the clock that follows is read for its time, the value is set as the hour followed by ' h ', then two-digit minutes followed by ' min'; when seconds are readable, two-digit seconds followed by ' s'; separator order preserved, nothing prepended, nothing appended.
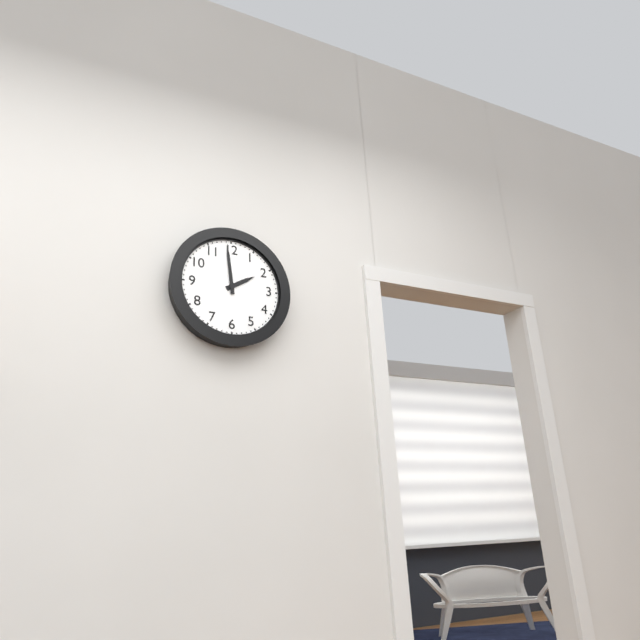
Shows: 1 h 59 min
